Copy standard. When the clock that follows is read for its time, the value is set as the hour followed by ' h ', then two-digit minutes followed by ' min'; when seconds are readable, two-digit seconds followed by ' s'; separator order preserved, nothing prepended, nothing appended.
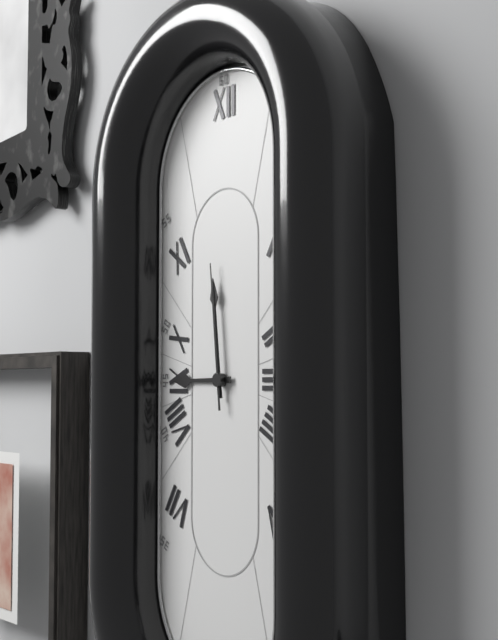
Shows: 8 h 59 min 59 s
